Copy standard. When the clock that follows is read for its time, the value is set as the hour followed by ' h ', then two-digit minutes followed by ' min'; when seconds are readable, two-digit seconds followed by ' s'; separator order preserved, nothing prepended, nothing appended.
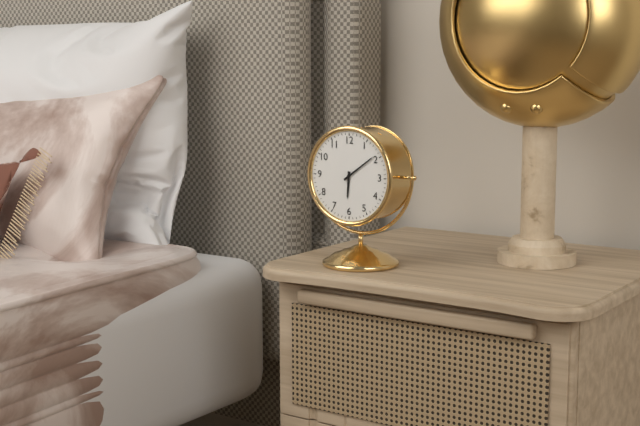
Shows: 6 h 09 min
